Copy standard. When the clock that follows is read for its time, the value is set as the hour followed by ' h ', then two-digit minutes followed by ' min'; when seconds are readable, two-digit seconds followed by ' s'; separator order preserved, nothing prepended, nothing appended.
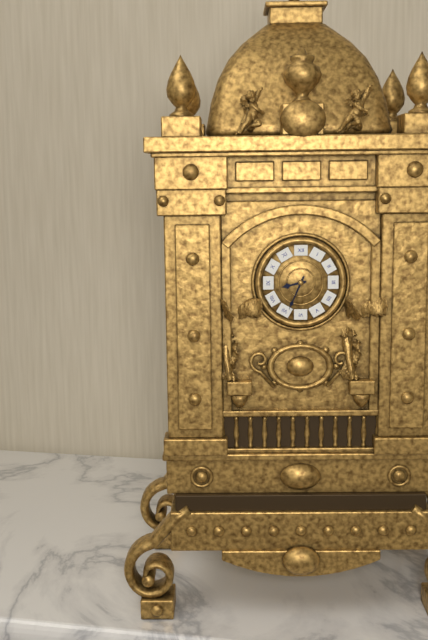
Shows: 8 h 34 min
